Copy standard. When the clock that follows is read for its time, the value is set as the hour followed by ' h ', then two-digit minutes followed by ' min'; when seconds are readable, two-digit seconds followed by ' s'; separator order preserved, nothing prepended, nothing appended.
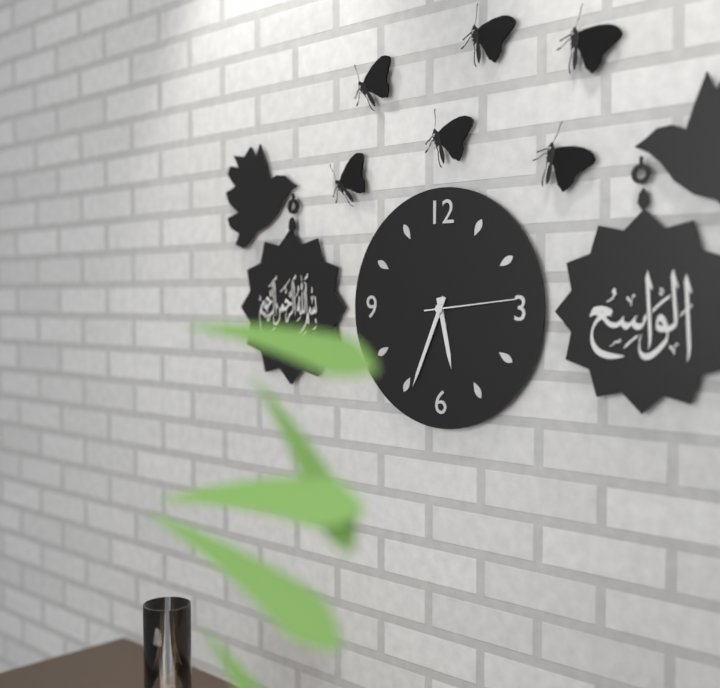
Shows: 5 h 34 min 14 s
